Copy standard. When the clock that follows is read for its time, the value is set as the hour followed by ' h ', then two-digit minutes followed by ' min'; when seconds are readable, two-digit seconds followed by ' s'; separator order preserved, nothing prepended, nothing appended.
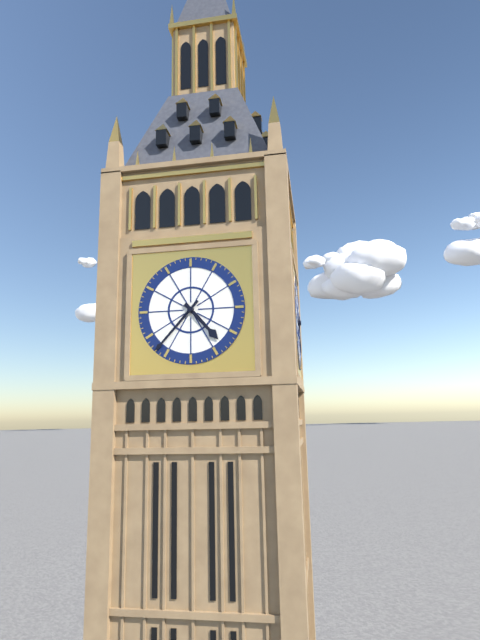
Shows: 4 h 37 min
